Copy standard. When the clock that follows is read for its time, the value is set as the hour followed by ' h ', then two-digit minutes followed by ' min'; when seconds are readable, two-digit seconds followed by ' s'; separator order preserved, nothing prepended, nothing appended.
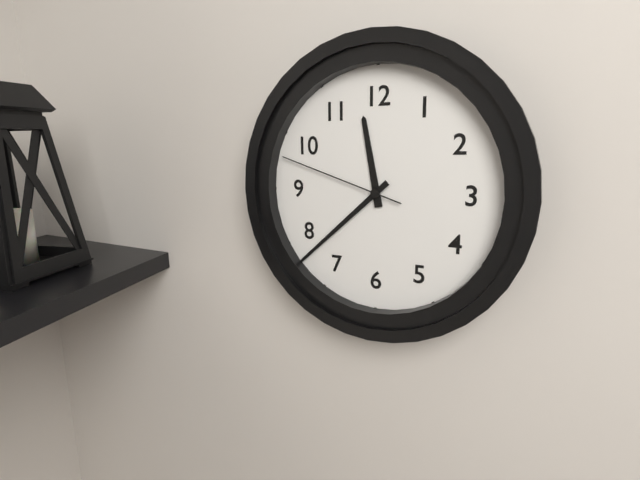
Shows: 11 h 38 min 48 s
